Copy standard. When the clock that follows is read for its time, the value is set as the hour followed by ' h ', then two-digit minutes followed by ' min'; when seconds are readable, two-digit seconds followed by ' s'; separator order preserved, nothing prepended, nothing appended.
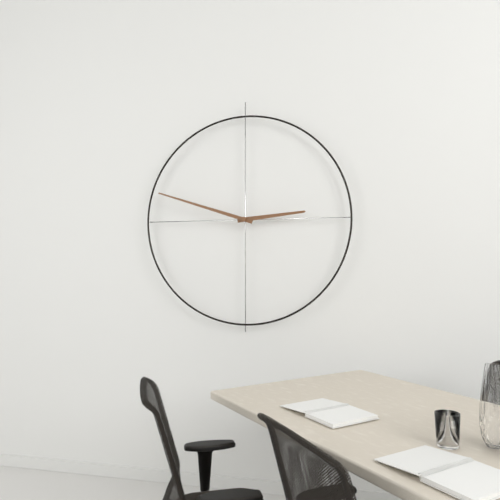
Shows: 2 h 48 min
